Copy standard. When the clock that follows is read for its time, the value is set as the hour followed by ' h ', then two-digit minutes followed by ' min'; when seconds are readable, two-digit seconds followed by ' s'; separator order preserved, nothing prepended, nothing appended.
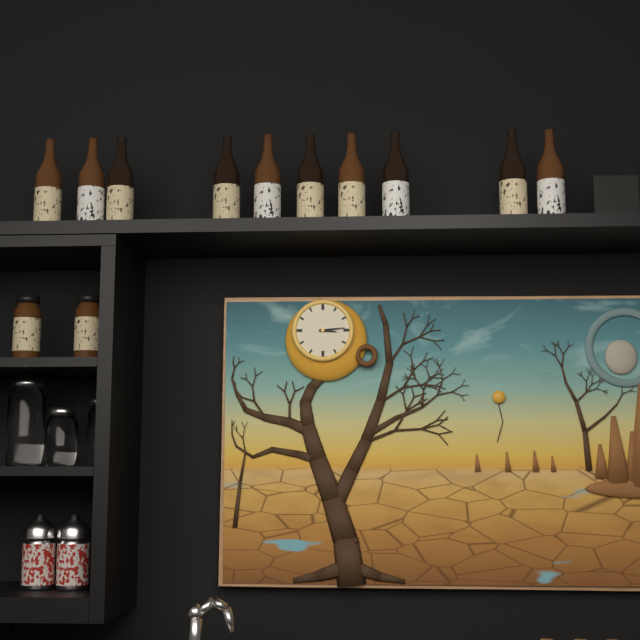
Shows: 3 h 14 min
